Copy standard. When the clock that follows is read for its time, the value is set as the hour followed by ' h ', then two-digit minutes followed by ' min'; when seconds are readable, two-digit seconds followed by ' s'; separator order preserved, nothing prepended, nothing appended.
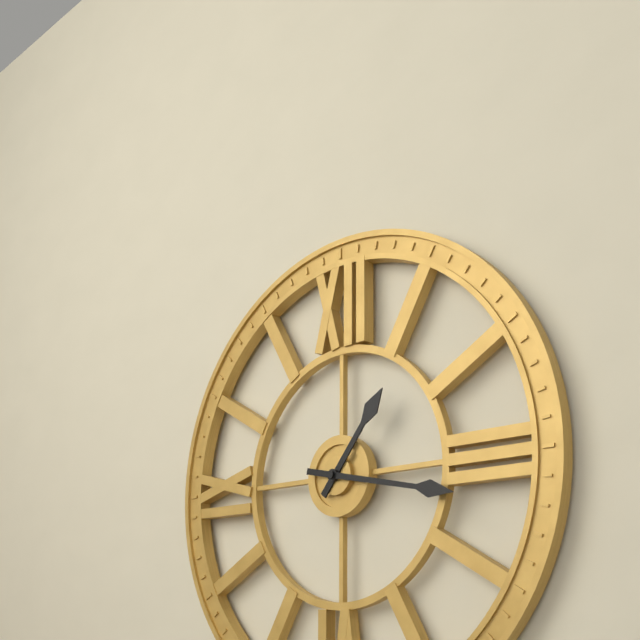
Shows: 1 h 17 min
